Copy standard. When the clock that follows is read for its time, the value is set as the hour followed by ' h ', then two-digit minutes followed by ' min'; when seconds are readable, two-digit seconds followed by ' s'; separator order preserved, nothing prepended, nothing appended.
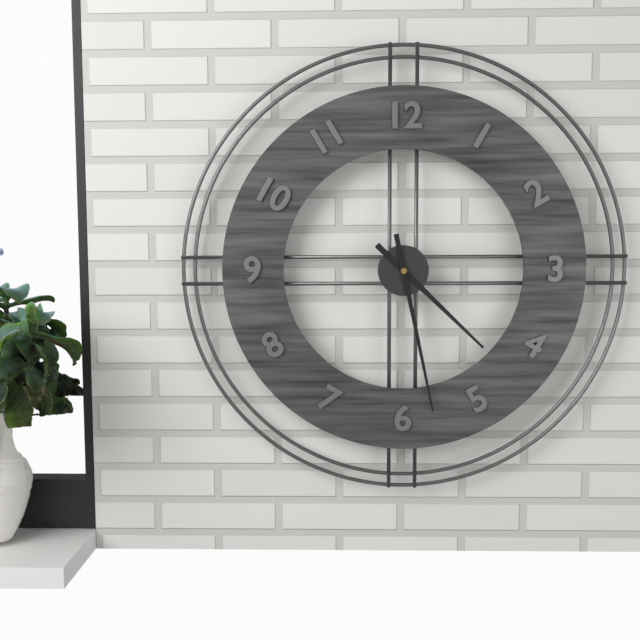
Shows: 4 h 28 min
